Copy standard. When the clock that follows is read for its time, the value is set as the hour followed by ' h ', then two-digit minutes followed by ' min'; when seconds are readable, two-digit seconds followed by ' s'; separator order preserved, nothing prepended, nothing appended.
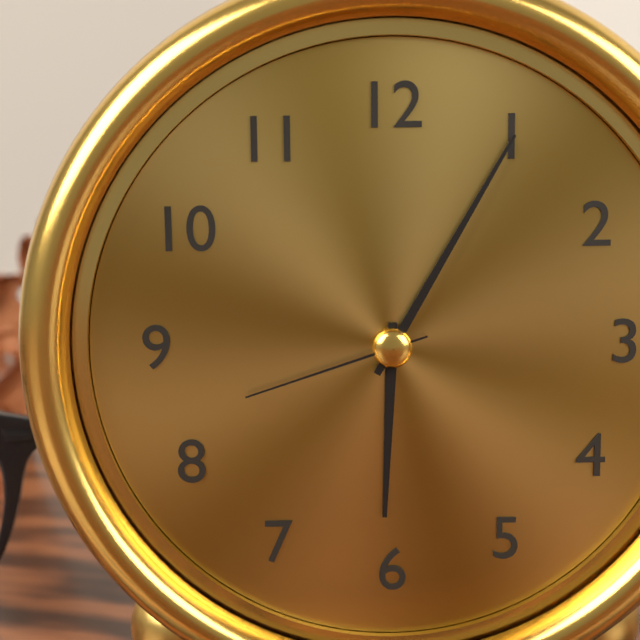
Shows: 6 h 05 min 42 s
